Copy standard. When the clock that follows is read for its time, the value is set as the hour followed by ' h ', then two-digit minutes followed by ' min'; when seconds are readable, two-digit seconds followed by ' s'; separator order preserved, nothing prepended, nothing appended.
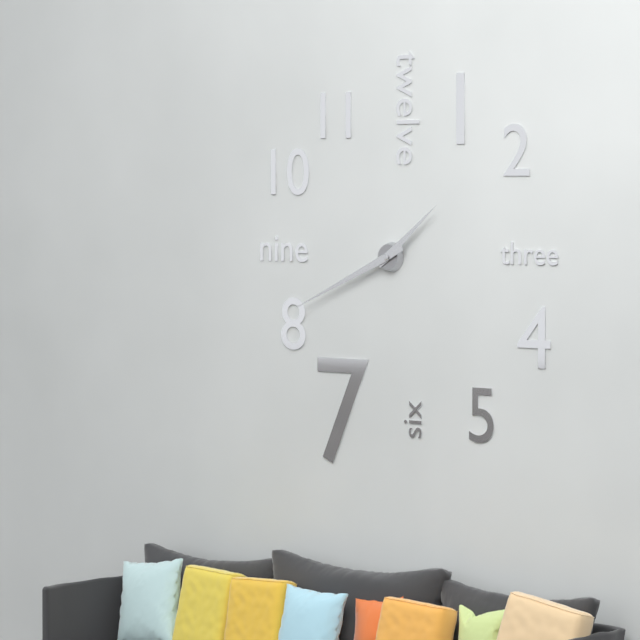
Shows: 1 h 41 min
